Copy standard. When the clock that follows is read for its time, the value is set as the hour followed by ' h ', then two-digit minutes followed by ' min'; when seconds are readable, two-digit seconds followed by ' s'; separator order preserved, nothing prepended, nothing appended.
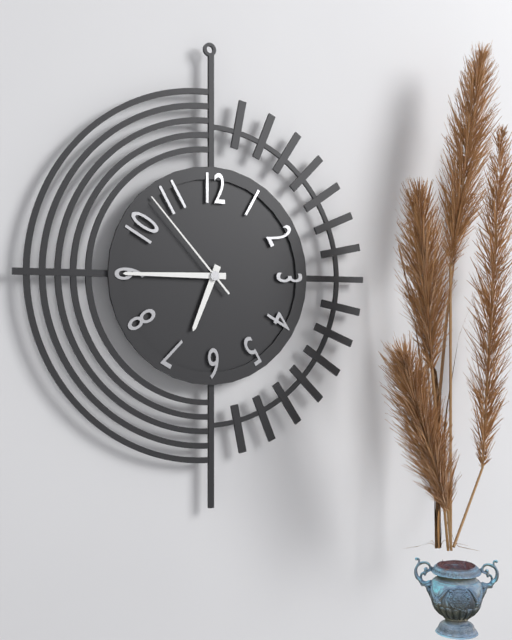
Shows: 6 h 45 min 53 s
